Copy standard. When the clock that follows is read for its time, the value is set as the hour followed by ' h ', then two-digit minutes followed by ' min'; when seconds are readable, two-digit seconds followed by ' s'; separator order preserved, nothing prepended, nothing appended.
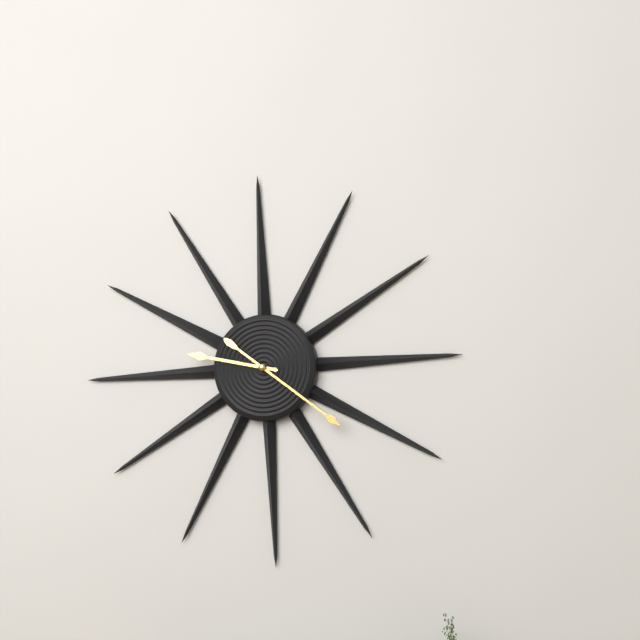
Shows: 9 h 21 min
